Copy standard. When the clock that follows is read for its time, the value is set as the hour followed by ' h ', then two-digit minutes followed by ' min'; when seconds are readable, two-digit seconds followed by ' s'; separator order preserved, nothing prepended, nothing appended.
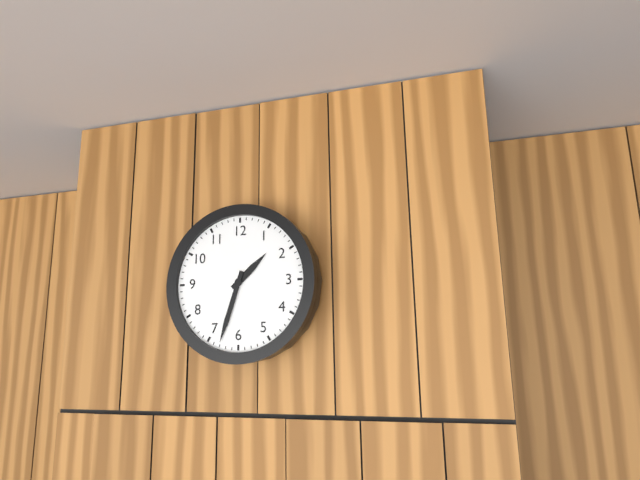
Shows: 1 h 33 min
